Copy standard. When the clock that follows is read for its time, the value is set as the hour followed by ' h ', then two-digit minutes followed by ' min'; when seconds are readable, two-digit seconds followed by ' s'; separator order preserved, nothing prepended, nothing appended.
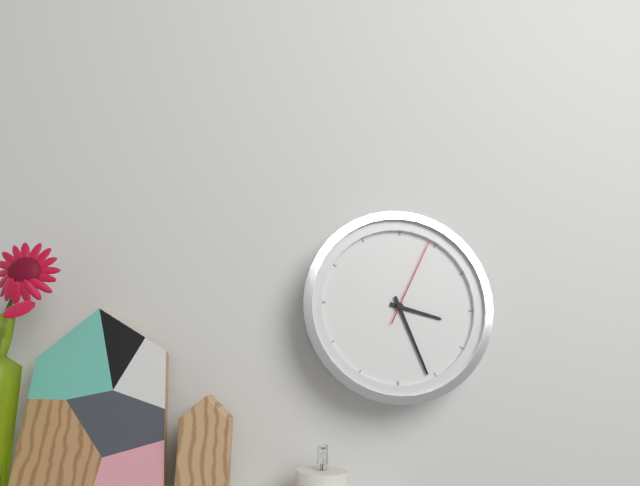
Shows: 3 h 26 min 04 s
